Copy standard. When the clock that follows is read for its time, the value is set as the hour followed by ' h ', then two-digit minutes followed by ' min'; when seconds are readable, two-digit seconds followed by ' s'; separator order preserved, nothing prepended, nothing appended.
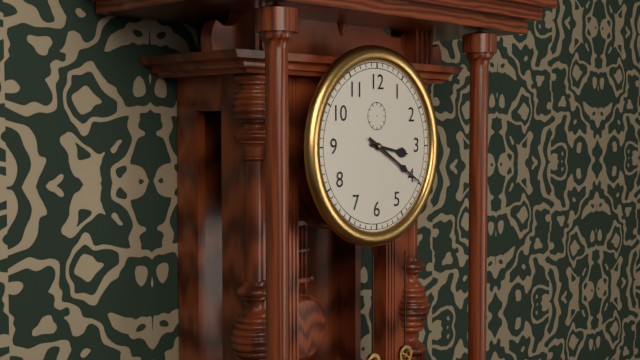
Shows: 3 h 20 min
